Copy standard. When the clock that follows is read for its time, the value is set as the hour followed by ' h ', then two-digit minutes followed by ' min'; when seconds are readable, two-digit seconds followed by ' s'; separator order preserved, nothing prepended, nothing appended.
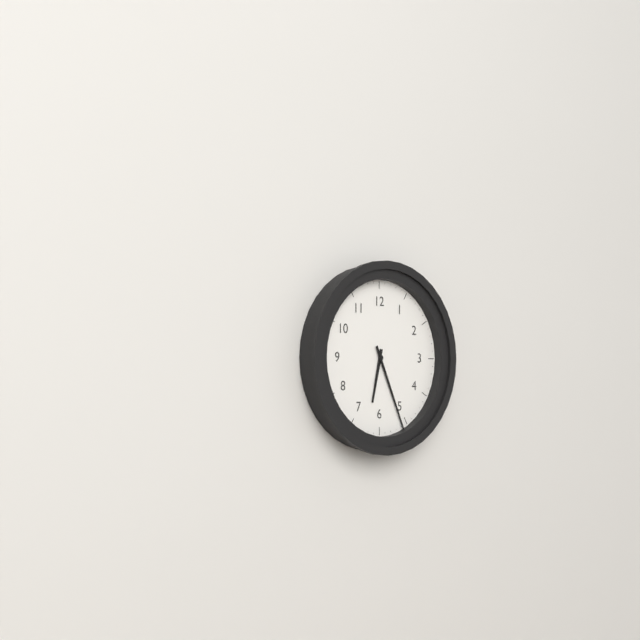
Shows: 6 h 26 min
